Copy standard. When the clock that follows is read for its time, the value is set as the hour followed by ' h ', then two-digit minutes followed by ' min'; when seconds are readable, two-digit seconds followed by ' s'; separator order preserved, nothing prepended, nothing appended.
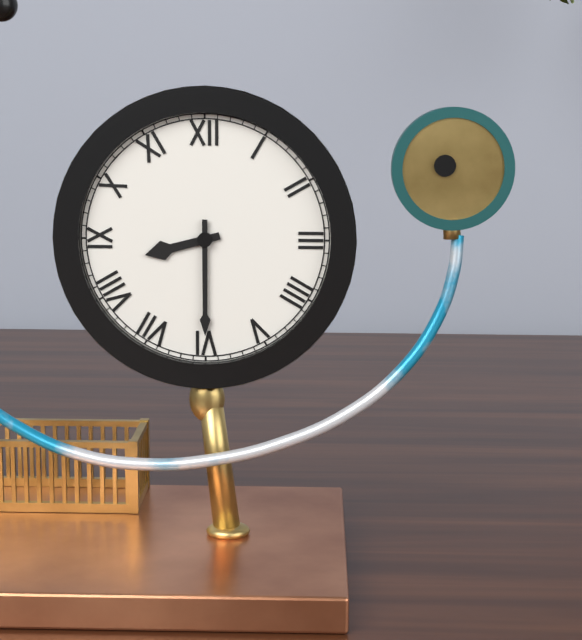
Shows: 8 h 30 min
